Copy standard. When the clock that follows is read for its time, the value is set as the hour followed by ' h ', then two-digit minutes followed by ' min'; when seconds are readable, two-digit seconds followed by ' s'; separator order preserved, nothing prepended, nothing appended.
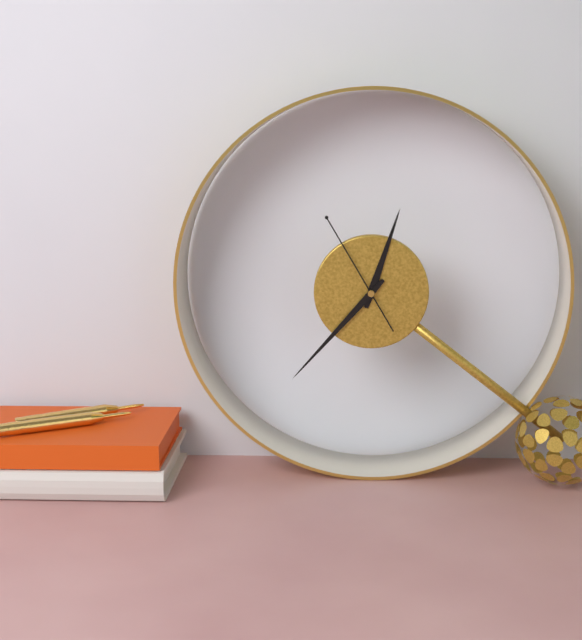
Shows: 12 h 37 min 55 s
